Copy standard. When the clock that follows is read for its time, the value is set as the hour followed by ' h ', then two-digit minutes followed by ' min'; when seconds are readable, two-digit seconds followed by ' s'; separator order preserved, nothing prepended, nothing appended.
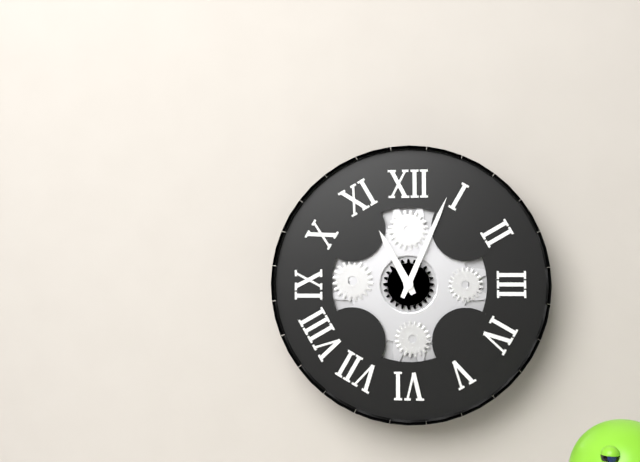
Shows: 11 h 04 min
